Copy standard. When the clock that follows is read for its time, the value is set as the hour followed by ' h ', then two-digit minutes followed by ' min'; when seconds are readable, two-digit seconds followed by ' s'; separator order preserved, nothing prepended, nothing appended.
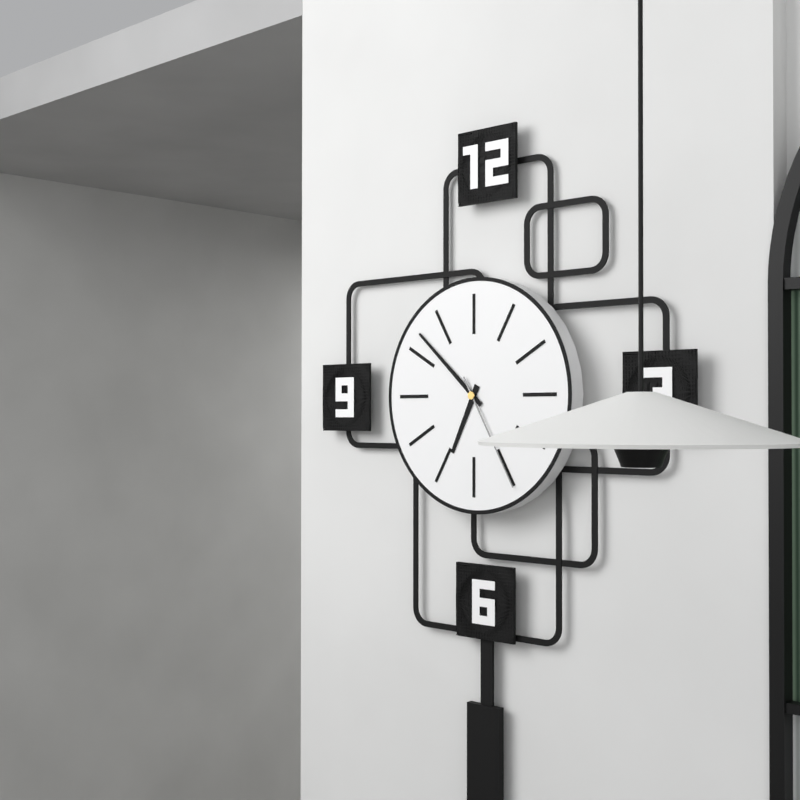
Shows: 6 h 52 min 25 s
